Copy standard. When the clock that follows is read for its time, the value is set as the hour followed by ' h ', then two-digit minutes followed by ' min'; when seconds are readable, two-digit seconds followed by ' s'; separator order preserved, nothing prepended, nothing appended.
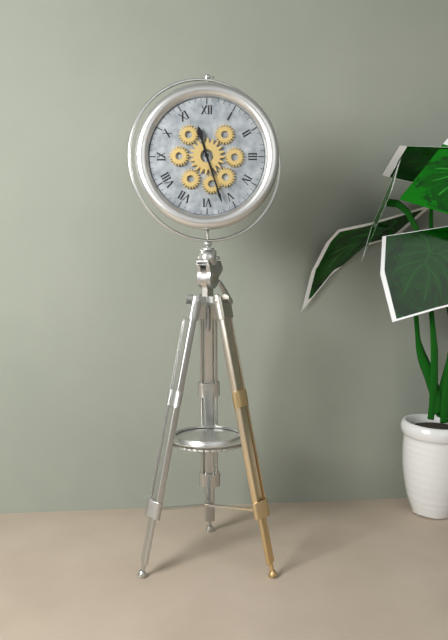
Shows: 11 h 27 min
